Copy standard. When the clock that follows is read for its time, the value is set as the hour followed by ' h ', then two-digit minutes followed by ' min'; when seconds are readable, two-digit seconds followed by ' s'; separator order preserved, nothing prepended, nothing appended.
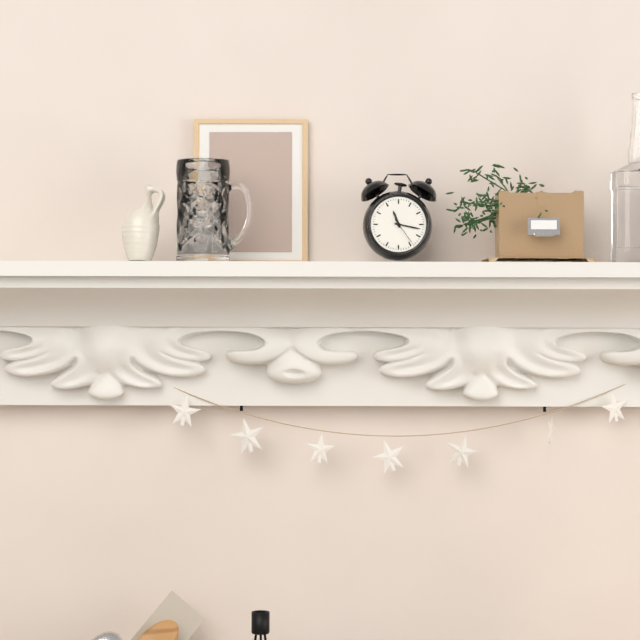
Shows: 11 h 17 min
